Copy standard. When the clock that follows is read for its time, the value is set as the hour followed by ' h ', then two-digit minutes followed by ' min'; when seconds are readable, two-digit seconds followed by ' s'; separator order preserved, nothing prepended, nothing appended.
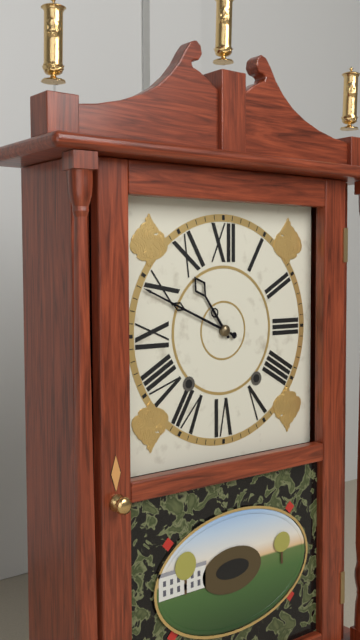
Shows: 10 h 49 min
